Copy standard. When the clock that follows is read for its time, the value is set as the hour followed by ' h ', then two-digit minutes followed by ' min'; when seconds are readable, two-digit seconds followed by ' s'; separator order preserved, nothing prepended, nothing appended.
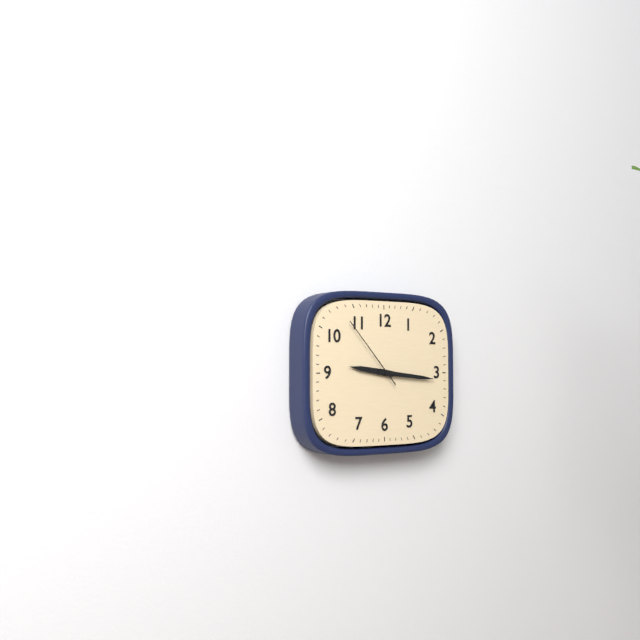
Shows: 9 h 16 min 53 s
